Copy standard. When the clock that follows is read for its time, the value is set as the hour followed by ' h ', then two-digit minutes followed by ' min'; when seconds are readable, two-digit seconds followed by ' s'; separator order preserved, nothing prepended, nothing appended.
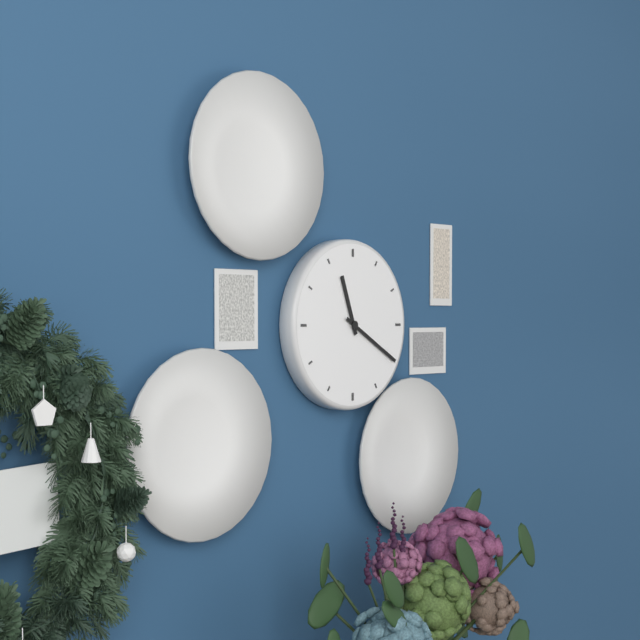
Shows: 11 h 20 min
